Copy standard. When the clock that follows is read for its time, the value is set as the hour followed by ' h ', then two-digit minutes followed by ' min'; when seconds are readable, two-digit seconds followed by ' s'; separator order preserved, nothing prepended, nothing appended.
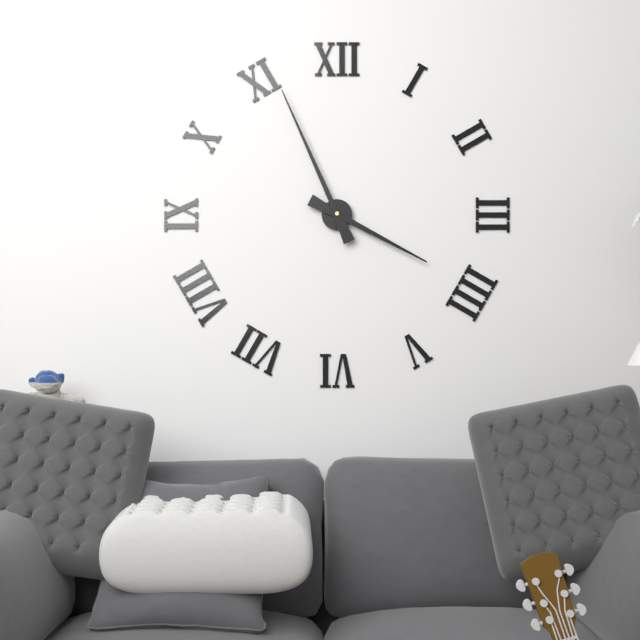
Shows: 3 h 56 min
